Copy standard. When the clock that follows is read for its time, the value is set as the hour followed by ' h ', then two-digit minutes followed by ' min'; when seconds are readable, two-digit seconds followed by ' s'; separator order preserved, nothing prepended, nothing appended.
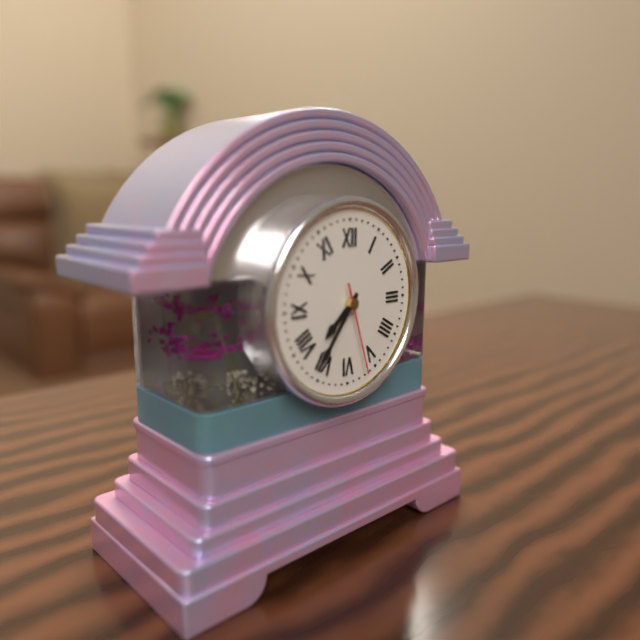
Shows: 7 h 36 min 27 s
